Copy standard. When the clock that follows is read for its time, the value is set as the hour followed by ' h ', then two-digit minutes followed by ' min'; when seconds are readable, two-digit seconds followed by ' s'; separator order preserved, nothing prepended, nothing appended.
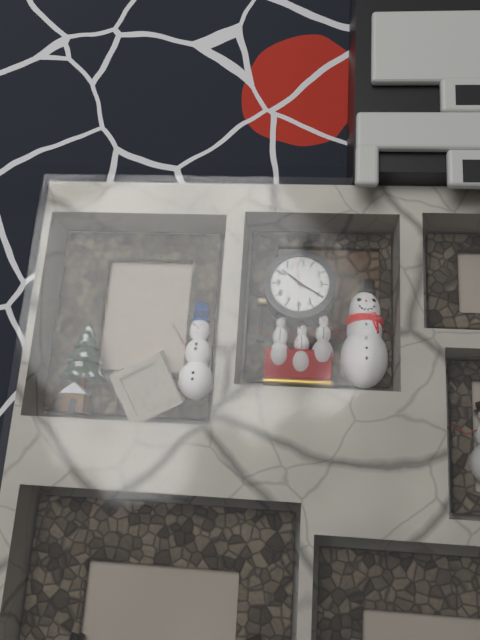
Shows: 10 h 20 min
